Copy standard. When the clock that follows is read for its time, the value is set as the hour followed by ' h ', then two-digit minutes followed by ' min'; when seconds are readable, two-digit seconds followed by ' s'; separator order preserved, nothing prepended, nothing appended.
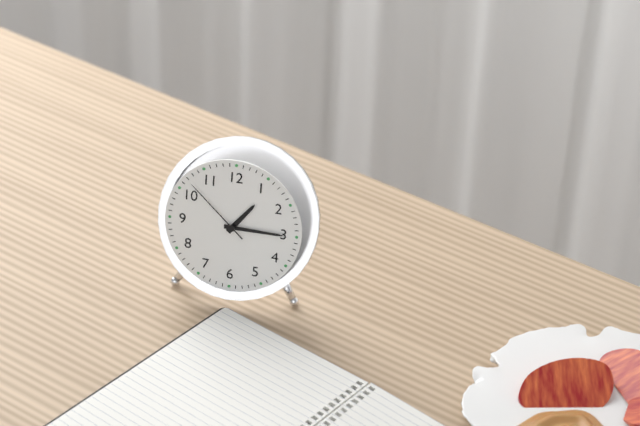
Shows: 1 h 15 min 52 s
